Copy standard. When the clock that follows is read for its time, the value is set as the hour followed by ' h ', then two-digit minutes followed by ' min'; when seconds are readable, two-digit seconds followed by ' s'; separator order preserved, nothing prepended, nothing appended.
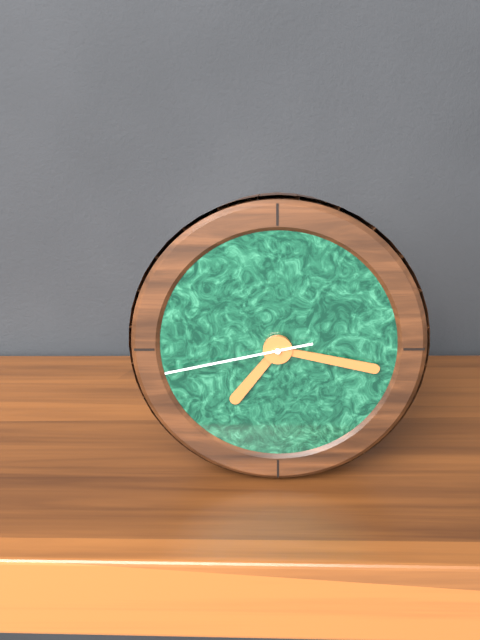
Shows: 7 h 17 min 43 s
